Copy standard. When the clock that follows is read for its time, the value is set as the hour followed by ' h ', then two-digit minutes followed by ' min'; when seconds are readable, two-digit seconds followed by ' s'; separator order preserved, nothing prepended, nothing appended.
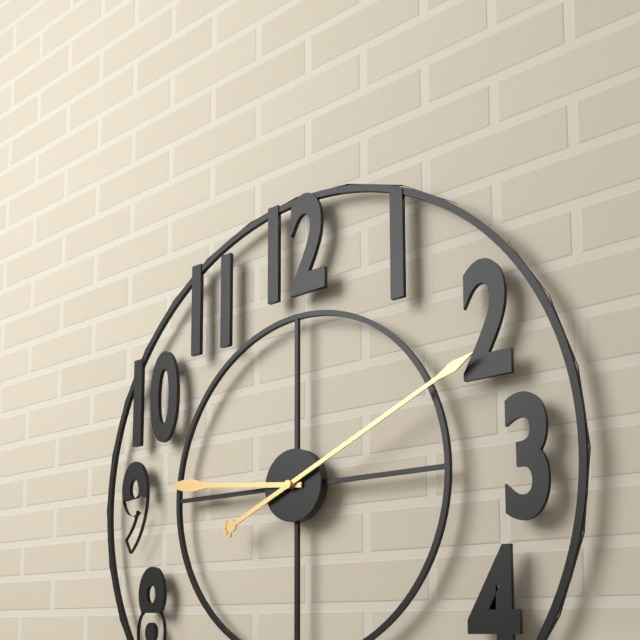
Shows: 9 h 11 min
